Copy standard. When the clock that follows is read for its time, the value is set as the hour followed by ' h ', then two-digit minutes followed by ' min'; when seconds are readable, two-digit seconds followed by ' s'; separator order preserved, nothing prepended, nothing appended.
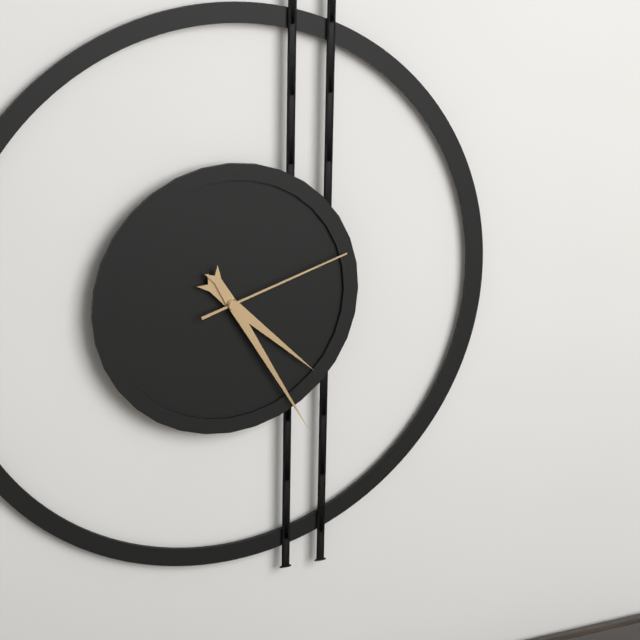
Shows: 4 h 25 min 12 s
